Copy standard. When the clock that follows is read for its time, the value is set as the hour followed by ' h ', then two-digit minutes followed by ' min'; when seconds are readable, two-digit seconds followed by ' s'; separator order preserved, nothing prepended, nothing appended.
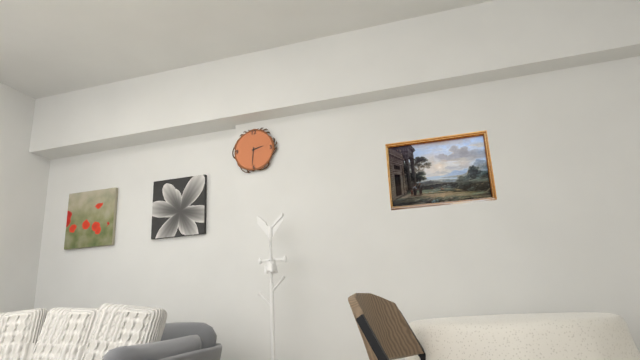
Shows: 2 h 31 min
